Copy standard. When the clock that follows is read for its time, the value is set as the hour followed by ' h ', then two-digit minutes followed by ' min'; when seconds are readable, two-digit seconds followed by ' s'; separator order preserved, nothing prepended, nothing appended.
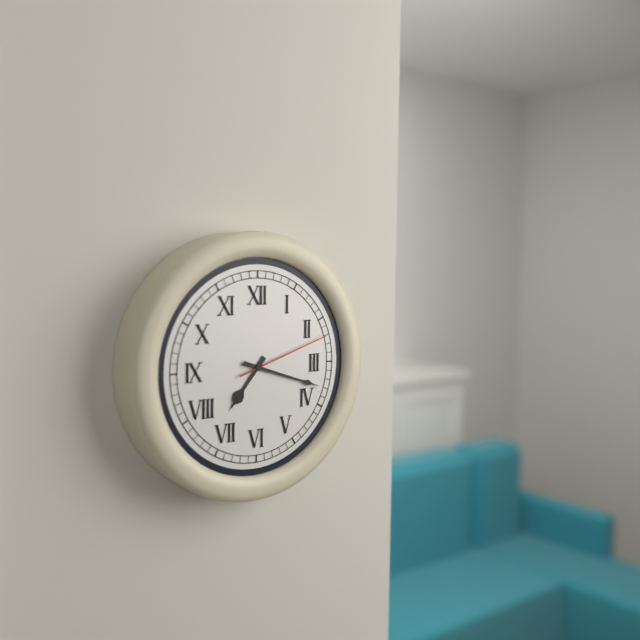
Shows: 7 h 18 min 12 s
